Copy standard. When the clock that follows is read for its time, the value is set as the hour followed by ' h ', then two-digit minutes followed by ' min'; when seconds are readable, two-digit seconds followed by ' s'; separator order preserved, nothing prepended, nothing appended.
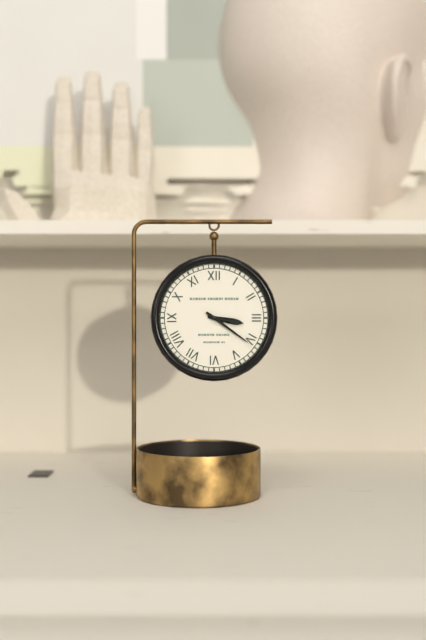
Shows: 3 h 21 min
